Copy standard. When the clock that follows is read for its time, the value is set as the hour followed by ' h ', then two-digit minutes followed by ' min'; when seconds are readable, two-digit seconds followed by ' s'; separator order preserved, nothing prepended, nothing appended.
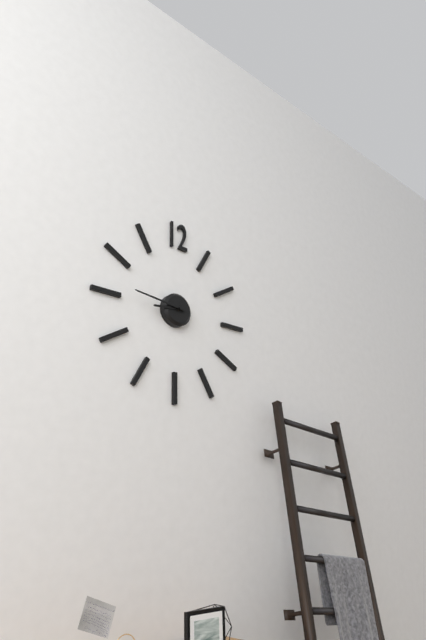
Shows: 8 h 46 min
